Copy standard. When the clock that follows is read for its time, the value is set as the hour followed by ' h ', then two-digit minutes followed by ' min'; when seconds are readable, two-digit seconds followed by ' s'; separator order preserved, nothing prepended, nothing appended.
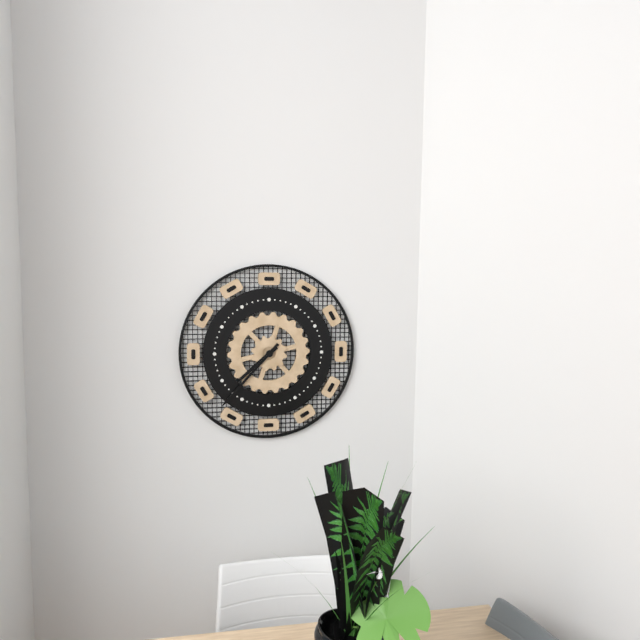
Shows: 7 h 37 min
